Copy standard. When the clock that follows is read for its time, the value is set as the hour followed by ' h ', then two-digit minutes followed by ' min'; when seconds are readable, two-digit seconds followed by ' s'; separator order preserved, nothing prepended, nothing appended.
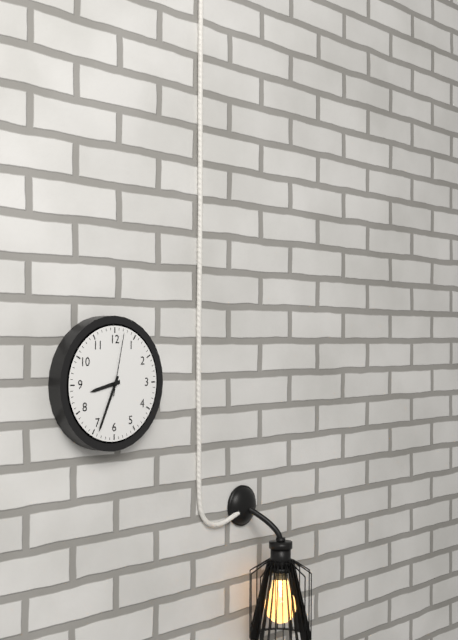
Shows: 8 h 34 min 02 s
